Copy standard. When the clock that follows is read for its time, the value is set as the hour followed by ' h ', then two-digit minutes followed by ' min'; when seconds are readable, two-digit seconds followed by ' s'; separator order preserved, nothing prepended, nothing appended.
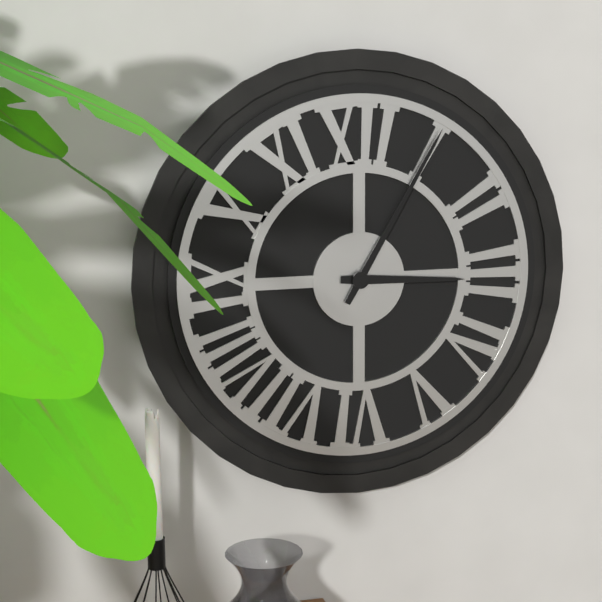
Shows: 3 h 05 min
